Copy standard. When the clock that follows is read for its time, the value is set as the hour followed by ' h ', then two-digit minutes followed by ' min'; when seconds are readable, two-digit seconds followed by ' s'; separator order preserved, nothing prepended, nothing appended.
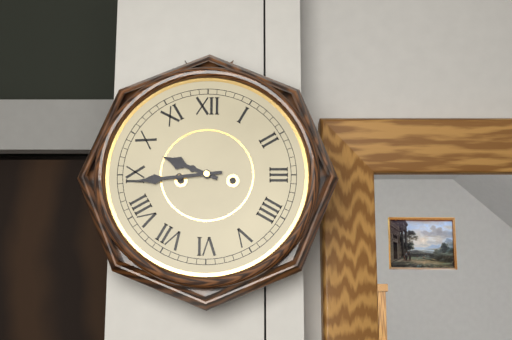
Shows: 9 h 44 min
